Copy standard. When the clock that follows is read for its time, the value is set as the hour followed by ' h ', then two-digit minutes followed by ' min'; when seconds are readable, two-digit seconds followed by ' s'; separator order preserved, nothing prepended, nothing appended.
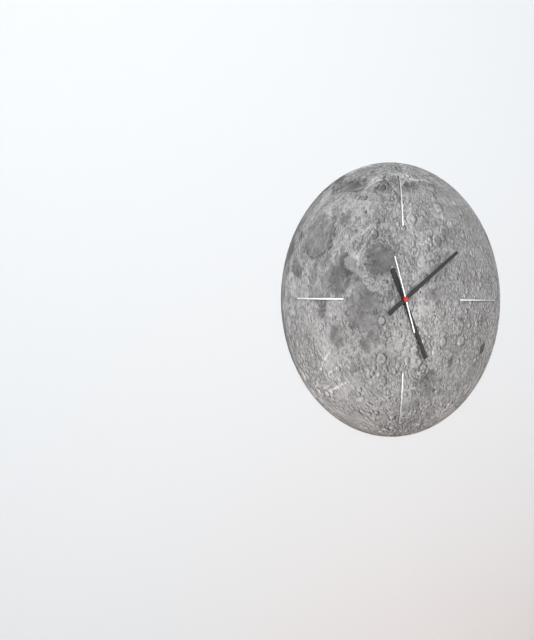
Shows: 5 h 09 min 57 s
